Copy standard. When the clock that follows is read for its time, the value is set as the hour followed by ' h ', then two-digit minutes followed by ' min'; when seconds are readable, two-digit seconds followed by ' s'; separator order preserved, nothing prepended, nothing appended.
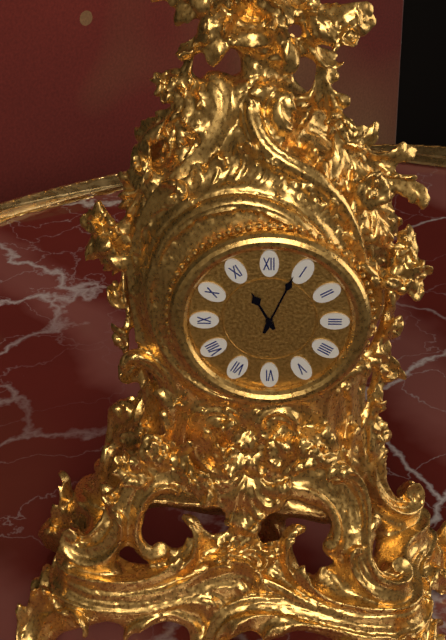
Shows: 11 h 04 min
